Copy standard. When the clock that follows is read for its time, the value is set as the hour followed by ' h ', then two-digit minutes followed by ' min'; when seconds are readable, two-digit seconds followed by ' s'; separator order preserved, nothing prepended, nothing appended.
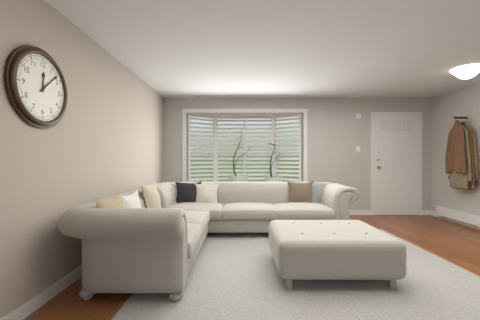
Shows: 12 h 08 min
